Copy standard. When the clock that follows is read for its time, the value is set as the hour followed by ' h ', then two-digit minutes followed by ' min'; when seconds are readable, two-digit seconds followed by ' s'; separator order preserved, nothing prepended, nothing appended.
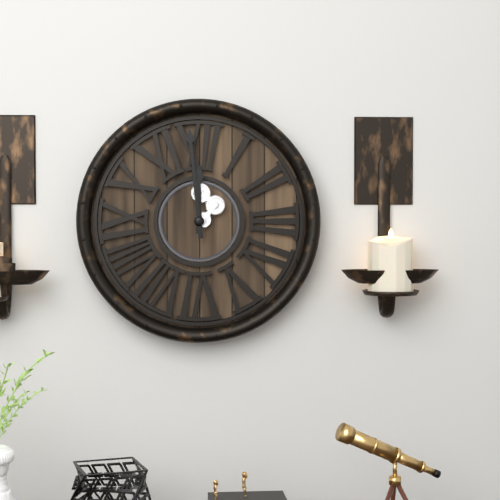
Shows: 11 h 59 min
